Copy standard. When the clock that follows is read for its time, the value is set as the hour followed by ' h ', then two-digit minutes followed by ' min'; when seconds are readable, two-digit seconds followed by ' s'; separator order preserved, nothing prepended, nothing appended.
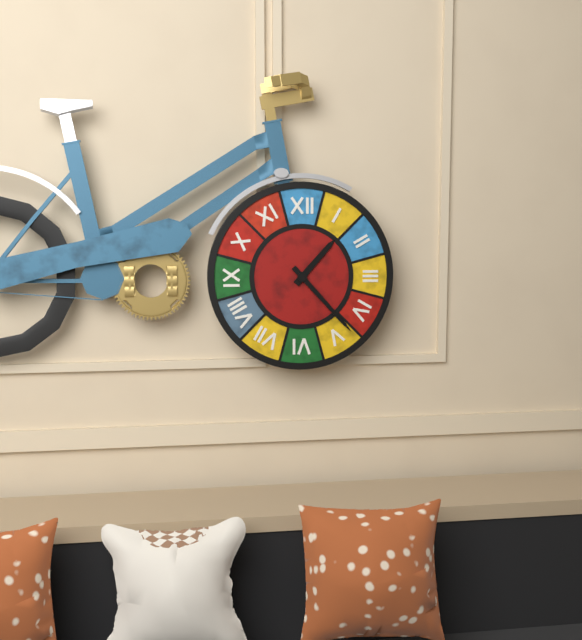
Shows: 1 h 23 min
